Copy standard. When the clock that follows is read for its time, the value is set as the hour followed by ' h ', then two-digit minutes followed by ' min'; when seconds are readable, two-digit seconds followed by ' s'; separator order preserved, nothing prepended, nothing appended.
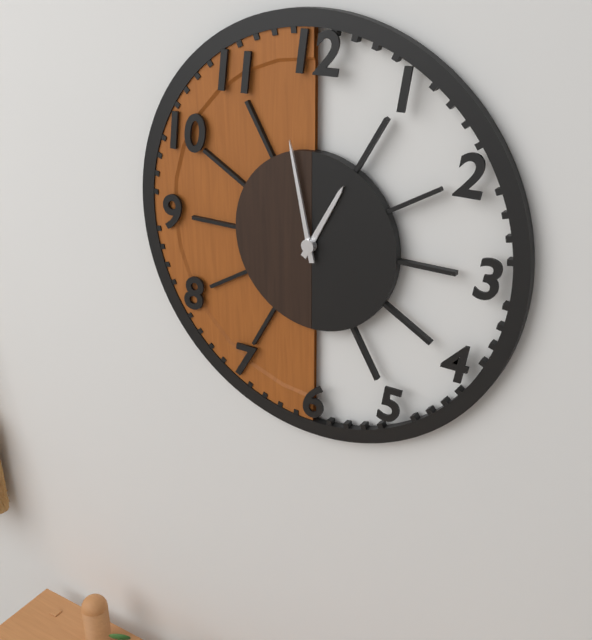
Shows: 12 h 58 min
